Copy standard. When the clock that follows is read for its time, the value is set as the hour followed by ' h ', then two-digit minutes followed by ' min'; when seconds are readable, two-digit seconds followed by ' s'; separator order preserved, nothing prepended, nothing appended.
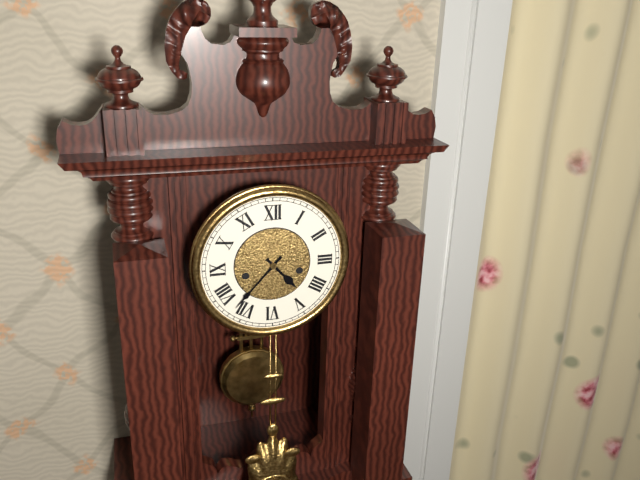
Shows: 4 h 37 min
